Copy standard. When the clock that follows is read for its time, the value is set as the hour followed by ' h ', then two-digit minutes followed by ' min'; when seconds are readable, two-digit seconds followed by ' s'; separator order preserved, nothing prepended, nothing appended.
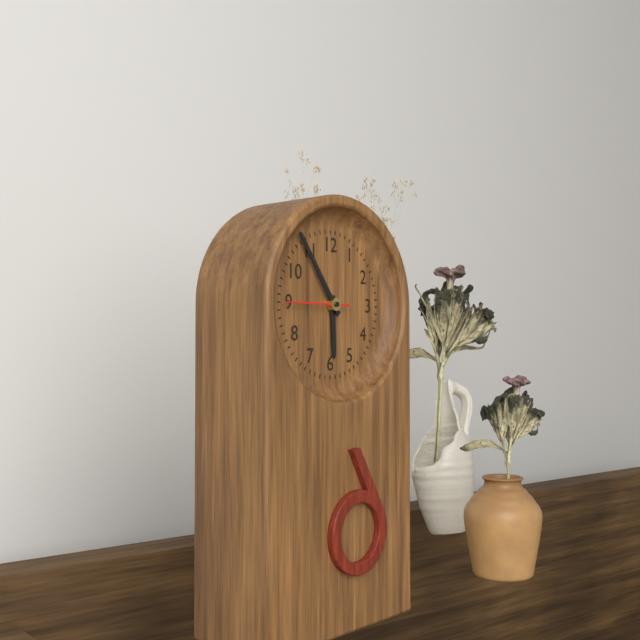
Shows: 5 h 54 min 45 s
